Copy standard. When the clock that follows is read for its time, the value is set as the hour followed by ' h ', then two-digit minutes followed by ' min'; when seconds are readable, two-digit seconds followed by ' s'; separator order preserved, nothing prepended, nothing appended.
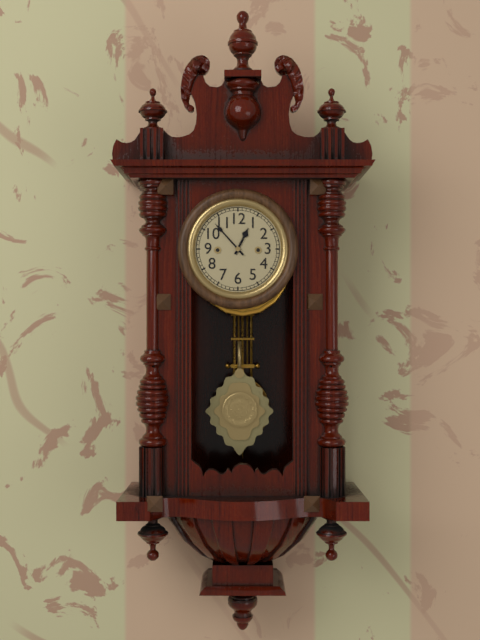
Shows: 12 h 53 min
